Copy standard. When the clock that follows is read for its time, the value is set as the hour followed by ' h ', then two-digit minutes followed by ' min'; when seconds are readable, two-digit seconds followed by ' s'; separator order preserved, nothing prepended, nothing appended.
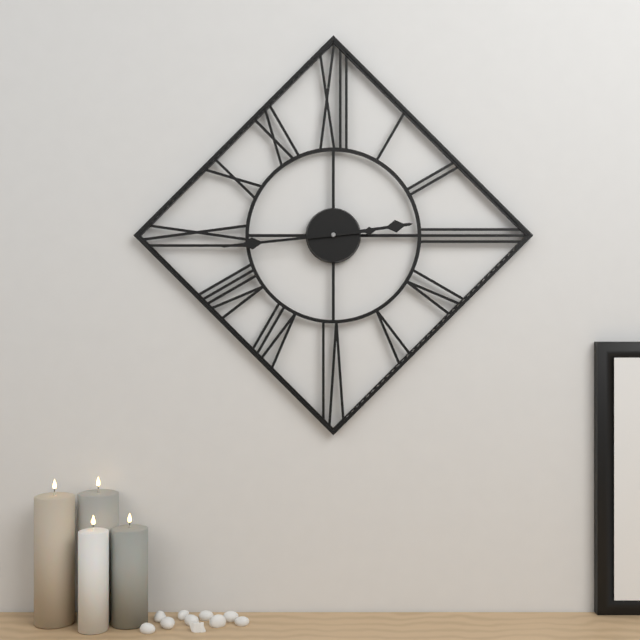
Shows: 2 h 44 min
